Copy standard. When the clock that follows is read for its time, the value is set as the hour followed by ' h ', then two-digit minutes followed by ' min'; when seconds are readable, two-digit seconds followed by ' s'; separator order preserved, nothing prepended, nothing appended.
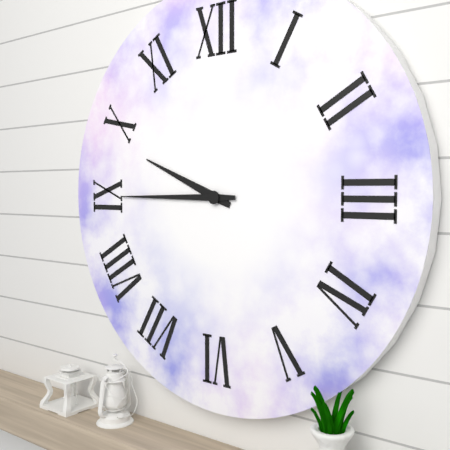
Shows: 9 h 45 min
